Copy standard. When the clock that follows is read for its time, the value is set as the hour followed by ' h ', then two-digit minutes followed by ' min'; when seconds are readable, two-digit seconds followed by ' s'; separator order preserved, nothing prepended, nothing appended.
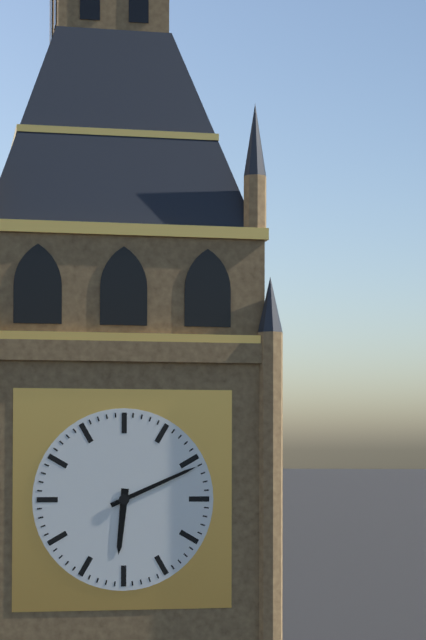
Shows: 6 h 11 min
